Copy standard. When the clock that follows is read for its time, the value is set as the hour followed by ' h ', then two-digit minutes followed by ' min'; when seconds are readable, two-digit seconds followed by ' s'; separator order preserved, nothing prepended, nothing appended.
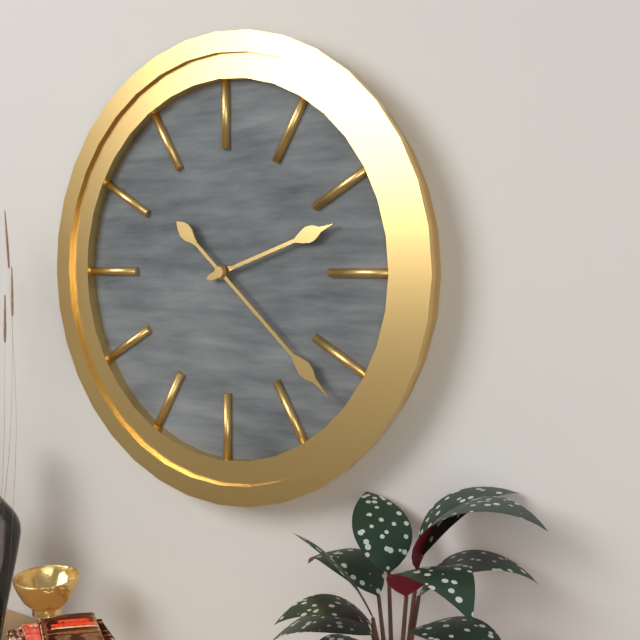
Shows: 2 h 22 min
